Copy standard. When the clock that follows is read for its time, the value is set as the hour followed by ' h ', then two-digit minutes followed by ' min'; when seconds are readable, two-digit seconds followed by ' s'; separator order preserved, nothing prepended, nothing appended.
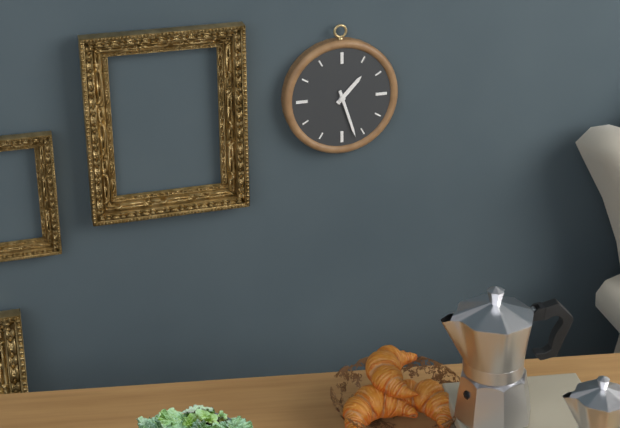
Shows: 1 h 27 min
